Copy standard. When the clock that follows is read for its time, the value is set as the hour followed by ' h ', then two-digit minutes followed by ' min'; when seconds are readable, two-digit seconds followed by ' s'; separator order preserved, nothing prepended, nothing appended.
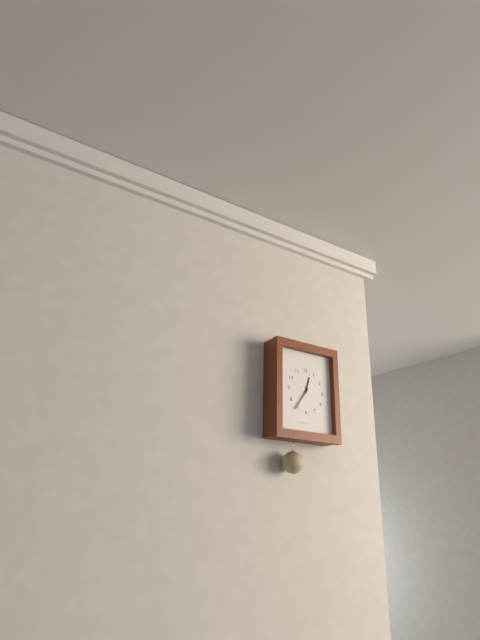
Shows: 12 h 36 min
